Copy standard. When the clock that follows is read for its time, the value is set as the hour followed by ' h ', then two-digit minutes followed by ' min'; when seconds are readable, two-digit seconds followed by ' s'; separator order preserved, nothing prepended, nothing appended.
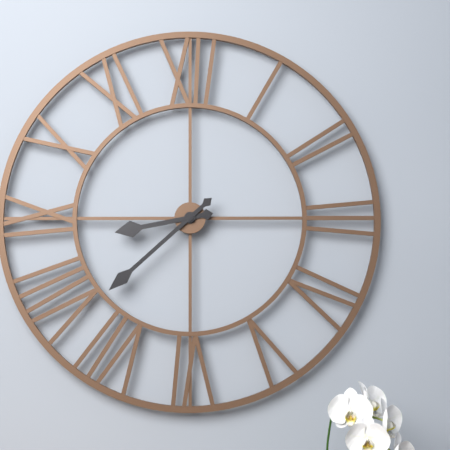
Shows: 8 h 38 min
